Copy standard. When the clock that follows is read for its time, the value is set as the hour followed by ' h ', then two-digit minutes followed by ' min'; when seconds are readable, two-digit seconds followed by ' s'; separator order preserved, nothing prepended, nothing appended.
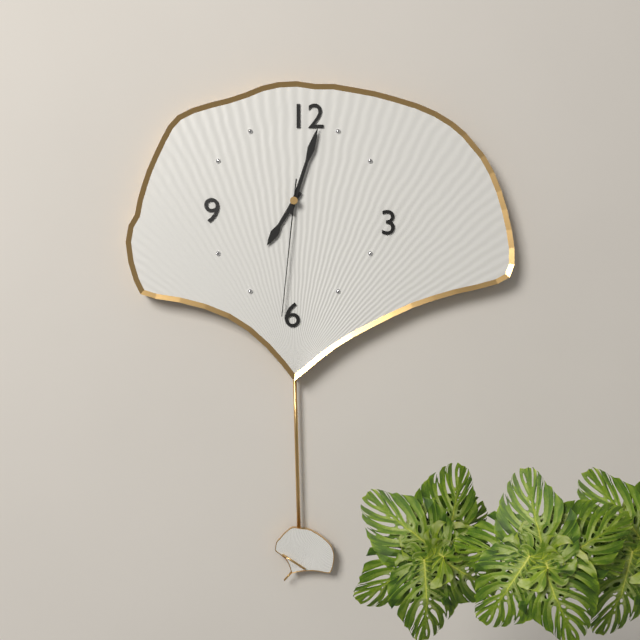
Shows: 7 h 03 min 31 s
